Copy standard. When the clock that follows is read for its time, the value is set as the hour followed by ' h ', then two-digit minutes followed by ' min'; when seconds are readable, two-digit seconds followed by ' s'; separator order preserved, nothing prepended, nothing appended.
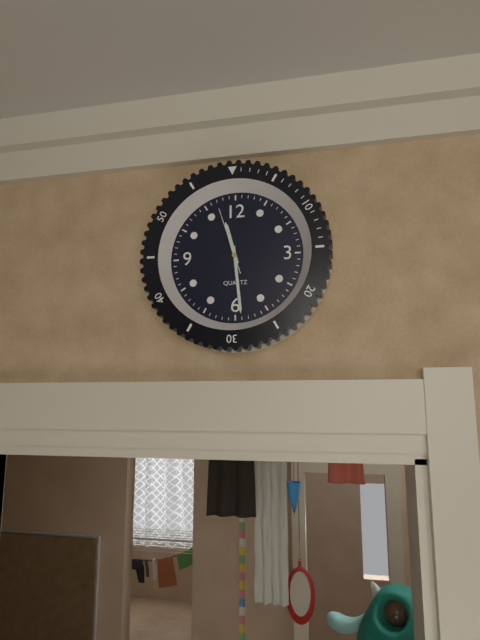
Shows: 11 h 29 min 57 s
